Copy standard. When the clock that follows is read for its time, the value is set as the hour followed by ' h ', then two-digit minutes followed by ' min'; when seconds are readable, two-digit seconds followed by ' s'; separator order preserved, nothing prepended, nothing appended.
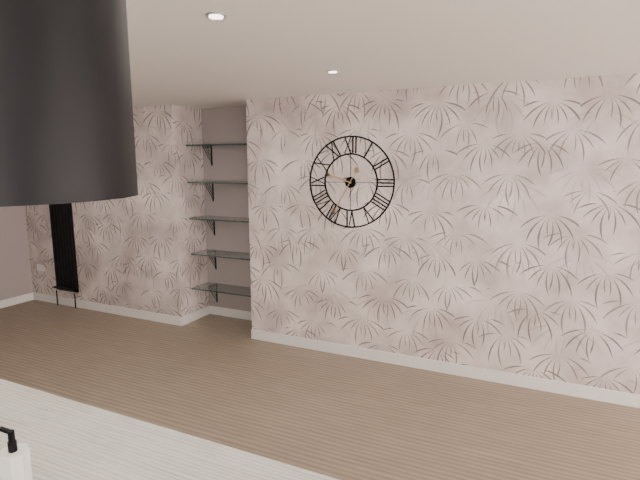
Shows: 9 h 35 min
